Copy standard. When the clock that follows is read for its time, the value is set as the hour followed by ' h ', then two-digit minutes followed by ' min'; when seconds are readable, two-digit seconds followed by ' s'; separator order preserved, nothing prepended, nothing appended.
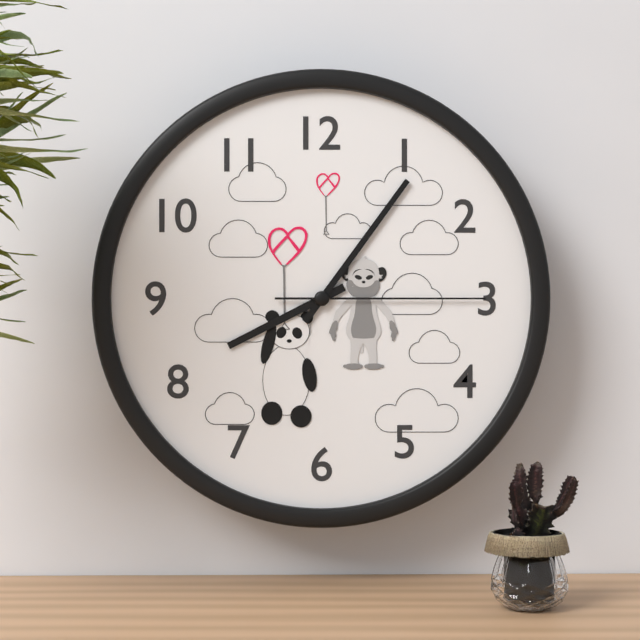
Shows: 8 h 06 min 15 s
